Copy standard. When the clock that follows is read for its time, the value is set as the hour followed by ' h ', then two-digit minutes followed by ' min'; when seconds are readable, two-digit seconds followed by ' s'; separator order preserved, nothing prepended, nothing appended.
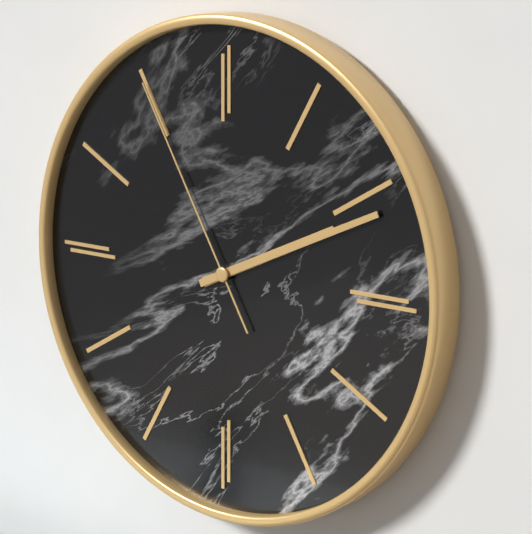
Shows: 2 h 11 min 55 s
